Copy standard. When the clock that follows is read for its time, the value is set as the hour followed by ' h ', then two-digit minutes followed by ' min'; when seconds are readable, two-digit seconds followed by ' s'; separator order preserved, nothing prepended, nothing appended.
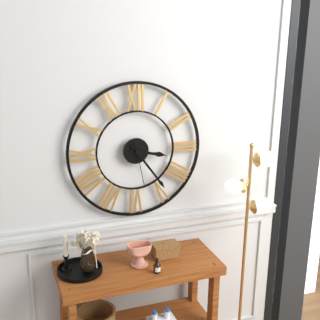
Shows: 3 h 24 min
